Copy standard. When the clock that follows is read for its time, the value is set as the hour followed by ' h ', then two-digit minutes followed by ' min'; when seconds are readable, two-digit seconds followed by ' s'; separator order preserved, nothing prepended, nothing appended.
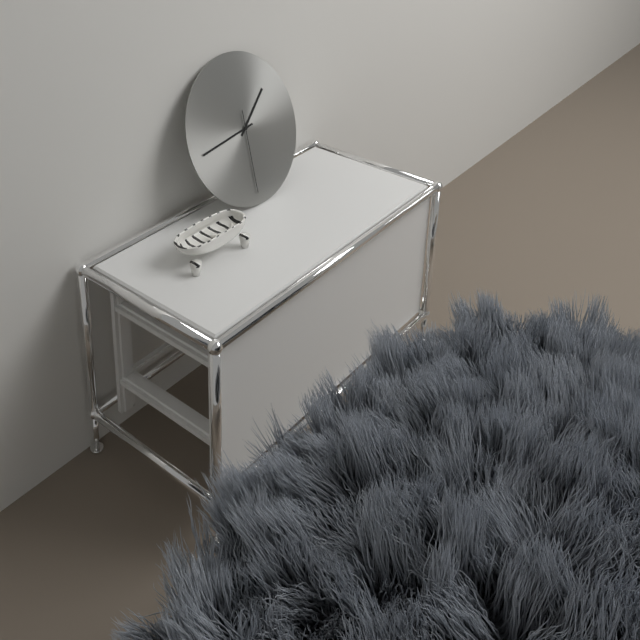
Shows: 1 h 44 min 31 s
